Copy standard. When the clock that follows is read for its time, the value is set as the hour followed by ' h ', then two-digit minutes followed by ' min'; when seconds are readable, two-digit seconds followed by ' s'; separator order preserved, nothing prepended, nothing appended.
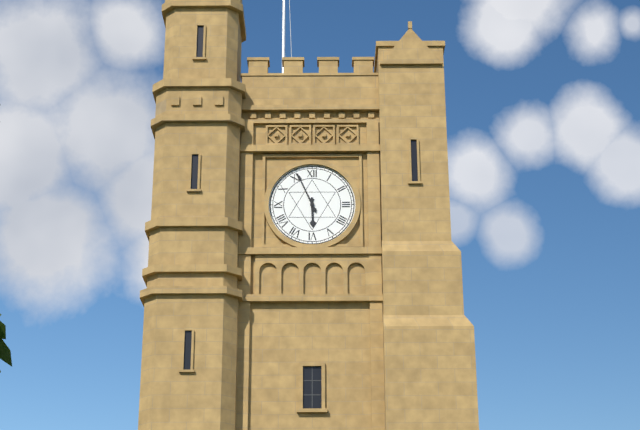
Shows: 5 h 56 min
